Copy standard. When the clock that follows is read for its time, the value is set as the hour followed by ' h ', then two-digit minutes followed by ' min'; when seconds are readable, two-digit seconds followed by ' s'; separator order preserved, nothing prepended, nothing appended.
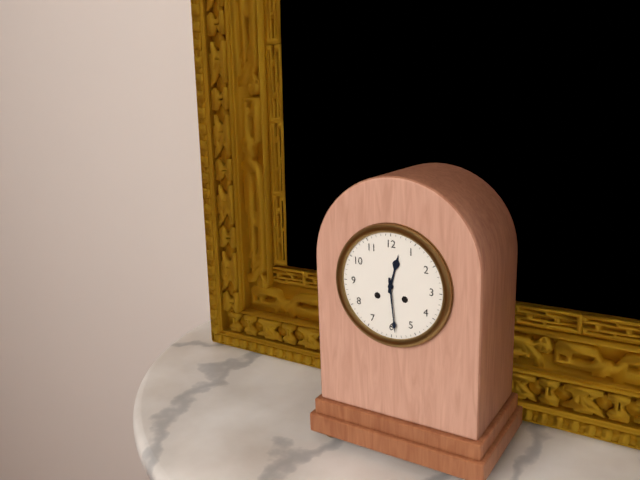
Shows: 12 h 29 min
